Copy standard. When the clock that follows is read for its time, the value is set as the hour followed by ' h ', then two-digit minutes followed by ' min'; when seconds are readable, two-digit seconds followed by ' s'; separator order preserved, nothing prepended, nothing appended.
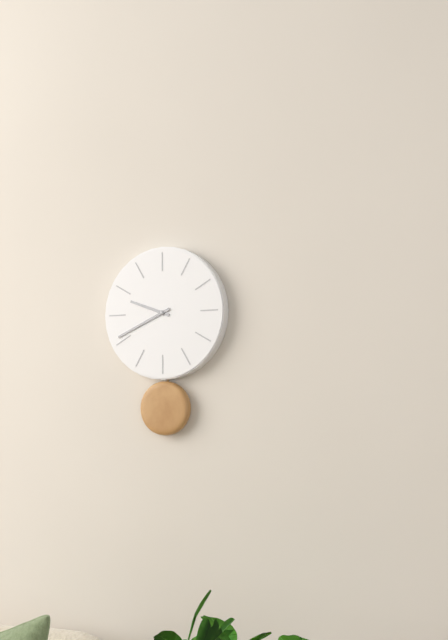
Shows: 9 h 41 min
